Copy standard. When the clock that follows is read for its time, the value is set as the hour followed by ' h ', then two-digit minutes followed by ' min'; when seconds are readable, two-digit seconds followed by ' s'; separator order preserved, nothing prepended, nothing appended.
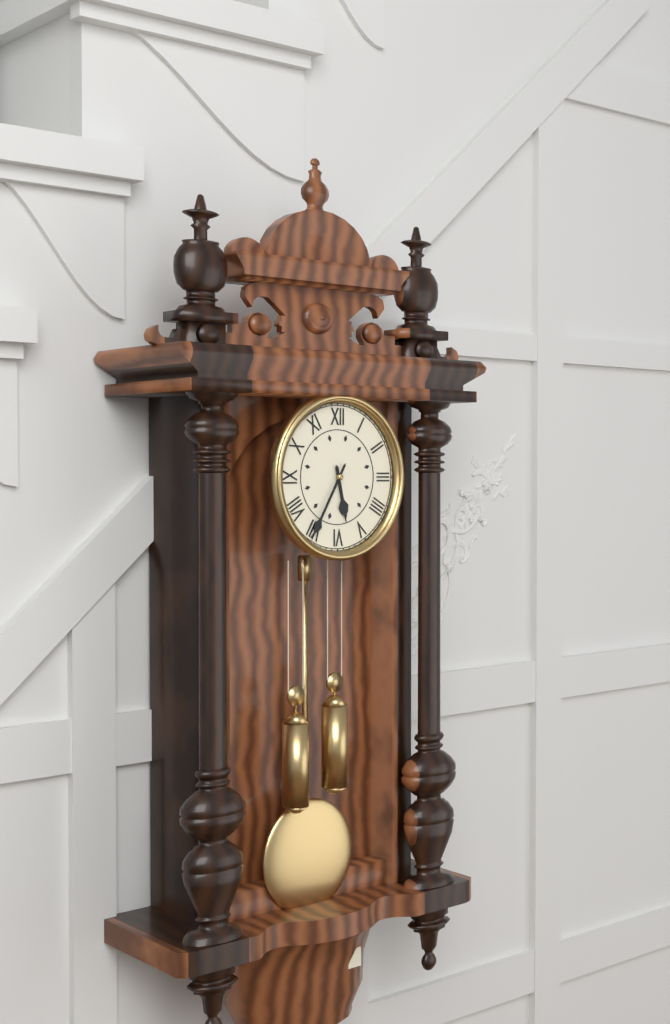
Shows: 5 h 35 min
